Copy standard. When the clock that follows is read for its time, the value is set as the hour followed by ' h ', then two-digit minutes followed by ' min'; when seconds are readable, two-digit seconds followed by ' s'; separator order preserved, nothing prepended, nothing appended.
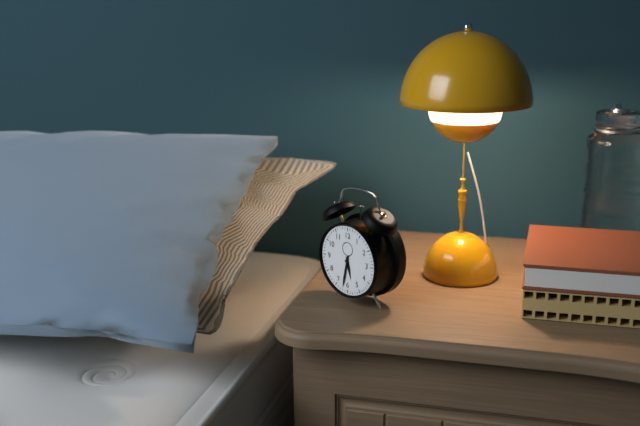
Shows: 5 h 32 min
